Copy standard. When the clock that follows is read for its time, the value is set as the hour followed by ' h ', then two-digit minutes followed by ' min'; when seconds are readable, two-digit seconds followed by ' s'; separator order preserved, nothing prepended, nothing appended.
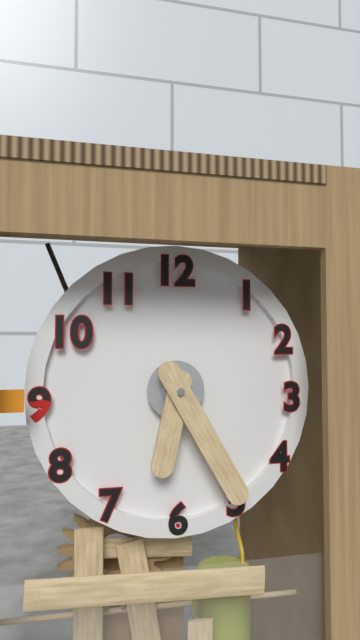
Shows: 6 h 25 min
